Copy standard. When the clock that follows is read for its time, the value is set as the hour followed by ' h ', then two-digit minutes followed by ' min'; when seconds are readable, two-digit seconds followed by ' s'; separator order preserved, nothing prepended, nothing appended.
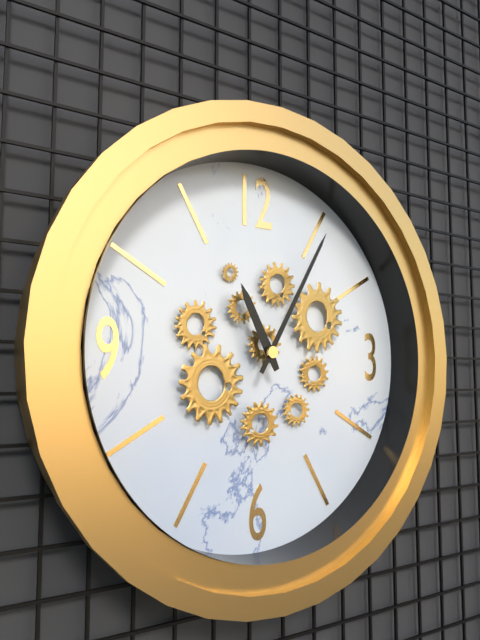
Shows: 11 h 05 min
